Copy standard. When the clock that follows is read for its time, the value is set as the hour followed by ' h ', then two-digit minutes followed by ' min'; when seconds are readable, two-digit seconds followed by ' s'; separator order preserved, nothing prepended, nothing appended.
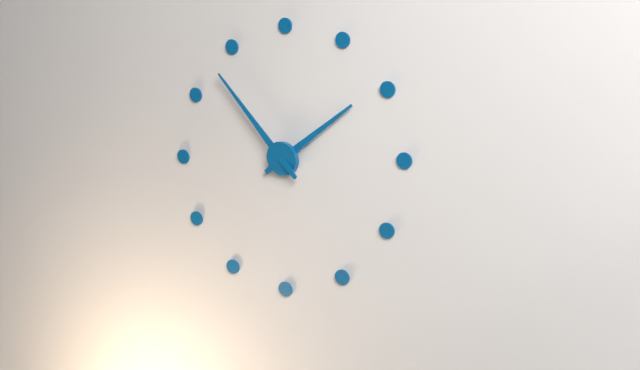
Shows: 1 h 53 min
